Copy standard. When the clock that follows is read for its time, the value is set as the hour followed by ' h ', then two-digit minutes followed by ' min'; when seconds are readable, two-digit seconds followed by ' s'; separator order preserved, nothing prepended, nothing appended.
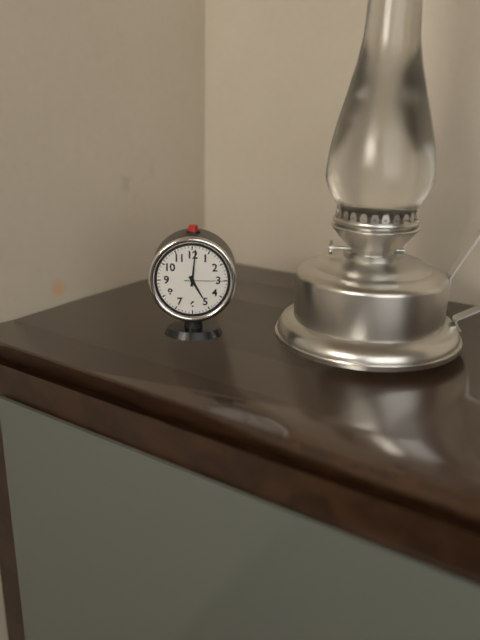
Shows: 5 h 01 min
